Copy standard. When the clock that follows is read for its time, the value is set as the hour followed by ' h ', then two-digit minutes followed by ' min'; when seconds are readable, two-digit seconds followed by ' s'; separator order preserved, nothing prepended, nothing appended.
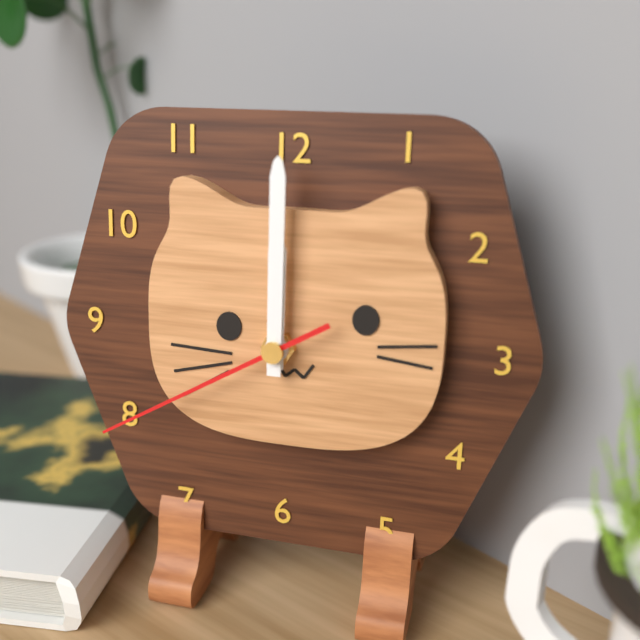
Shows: 12 h 00 min 40 s
